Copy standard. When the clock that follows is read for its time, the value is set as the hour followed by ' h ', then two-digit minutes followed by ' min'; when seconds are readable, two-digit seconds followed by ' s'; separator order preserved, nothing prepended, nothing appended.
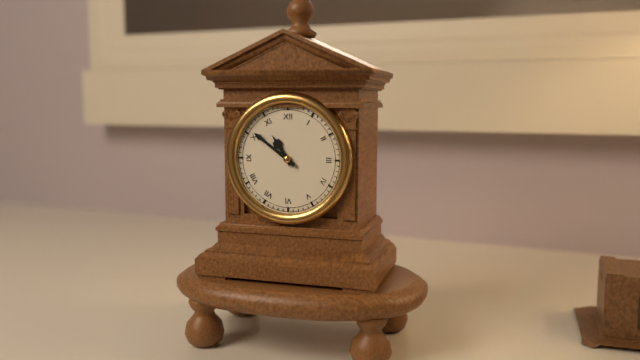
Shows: 10 h 51 min
